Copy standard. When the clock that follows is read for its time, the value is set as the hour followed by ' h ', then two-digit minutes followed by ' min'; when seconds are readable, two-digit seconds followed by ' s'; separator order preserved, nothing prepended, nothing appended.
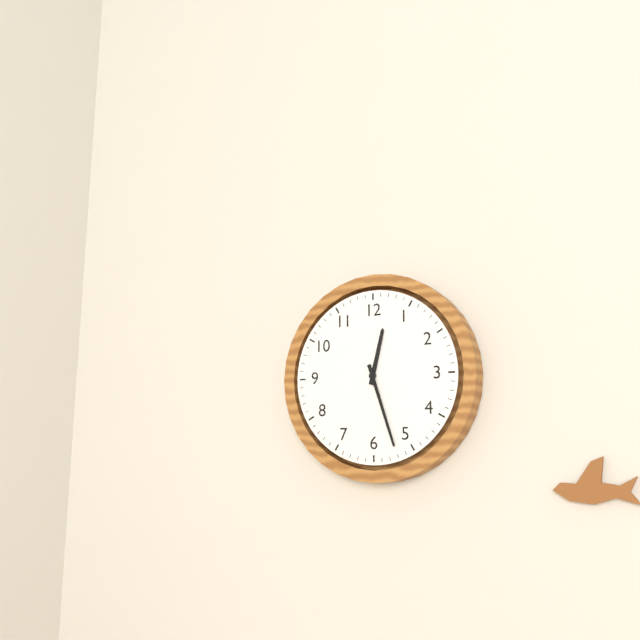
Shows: 12 h 27 min
